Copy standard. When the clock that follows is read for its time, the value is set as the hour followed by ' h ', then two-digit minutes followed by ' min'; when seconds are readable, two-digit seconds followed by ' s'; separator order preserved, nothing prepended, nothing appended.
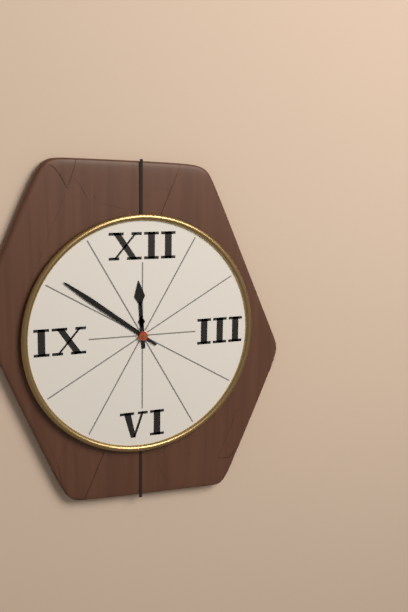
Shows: 11 h 51 min
